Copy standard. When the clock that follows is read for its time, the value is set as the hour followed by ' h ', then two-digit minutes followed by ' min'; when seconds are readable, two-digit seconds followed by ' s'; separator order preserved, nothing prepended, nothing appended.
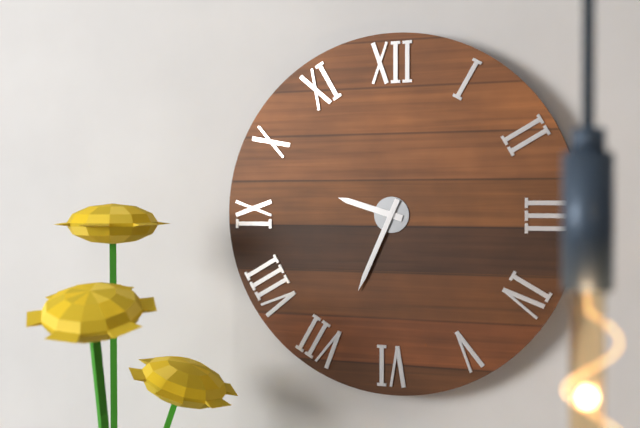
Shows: 9 h 34 min
